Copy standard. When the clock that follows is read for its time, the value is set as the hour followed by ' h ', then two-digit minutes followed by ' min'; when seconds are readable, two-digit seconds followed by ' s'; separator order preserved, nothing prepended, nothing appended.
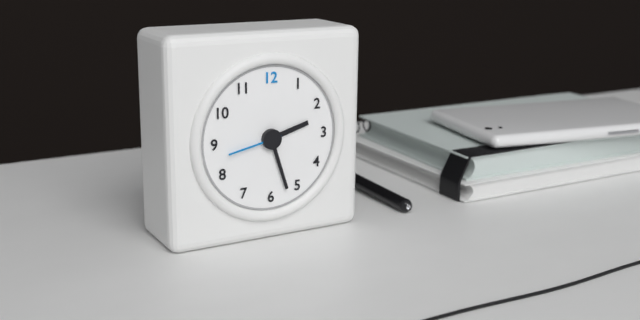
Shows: 2 h 27 min 43 s
